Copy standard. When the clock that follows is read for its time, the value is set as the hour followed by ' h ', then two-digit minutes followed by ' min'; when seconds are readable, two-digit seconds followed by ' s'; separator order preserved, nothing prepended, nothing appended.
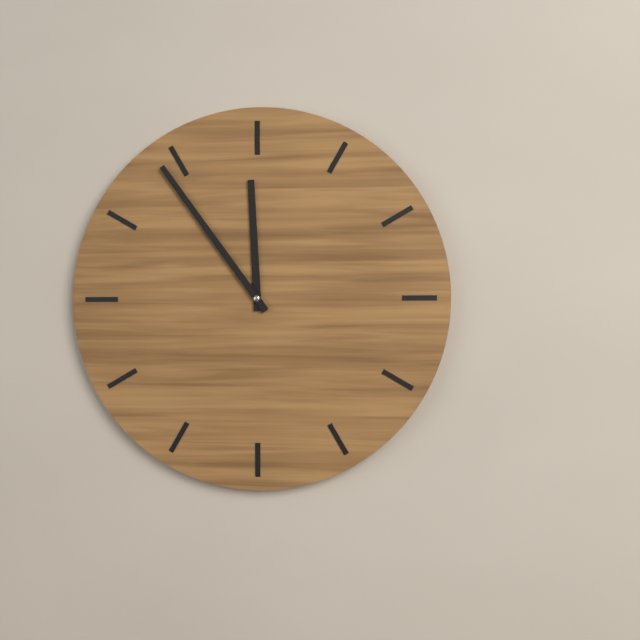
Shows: 11 h 54 min
